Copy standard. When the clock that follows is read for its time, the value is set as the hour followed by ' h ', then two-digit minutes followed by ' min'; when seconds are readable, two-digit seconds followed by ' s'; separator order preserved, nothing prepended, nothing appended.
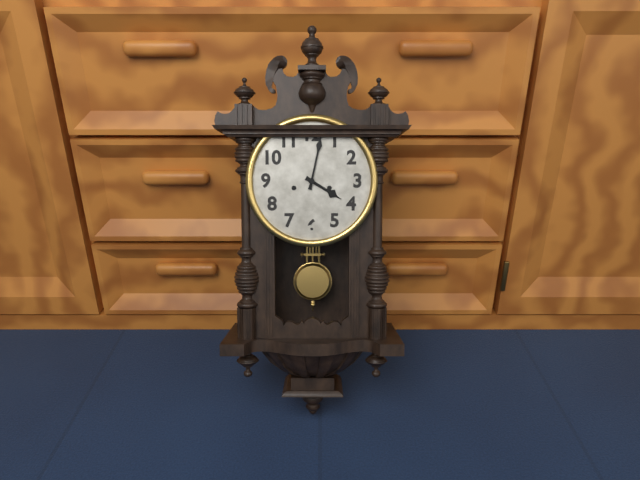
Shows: 4 h 02 min
